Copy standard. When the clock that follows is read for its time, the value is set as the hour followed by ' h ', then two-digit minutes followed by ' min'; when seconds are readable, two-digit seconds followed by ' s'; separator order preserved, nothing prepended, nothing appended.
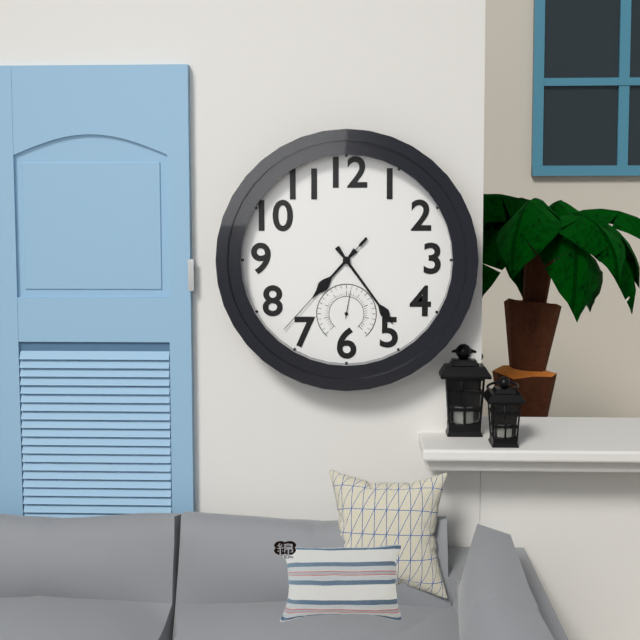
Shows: 7 h 24 min 37 s
